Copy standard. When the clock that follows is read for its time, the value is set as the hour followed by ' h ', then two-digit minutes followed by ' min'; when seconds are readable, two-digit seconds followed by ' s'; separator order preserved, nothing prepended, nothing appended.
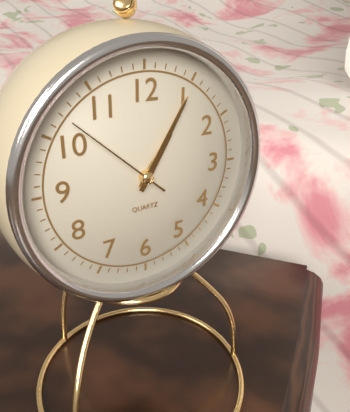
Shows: 1 h 05 min 52 s
